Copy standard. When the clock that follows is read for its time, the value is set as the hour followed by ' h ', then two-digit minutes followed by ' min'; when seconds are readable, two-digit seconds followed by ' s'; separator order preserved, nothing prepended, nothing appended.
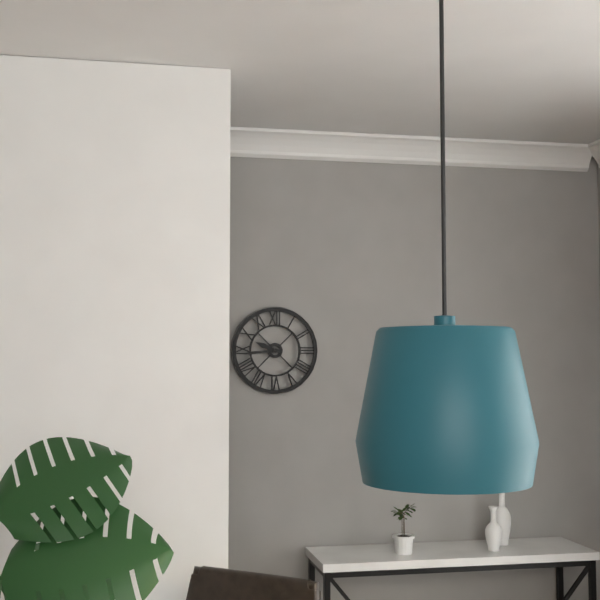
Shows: 9 h 44 min
